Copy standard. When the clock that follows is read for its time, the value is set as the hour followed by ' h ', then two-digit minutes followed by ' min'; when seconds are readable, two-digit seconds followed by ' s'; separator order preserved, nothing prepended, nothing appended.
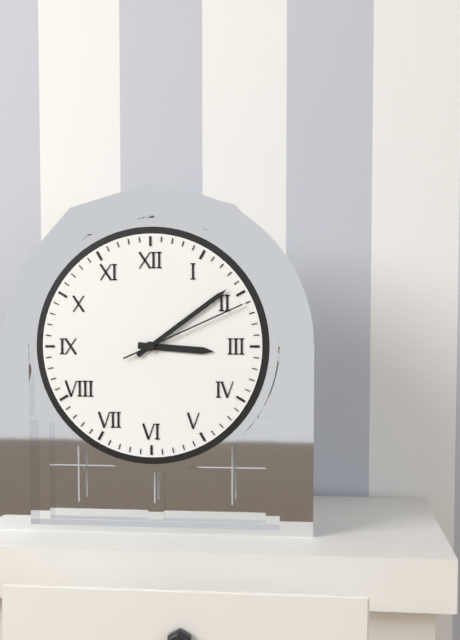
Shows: 3 h 09 min 11 s
